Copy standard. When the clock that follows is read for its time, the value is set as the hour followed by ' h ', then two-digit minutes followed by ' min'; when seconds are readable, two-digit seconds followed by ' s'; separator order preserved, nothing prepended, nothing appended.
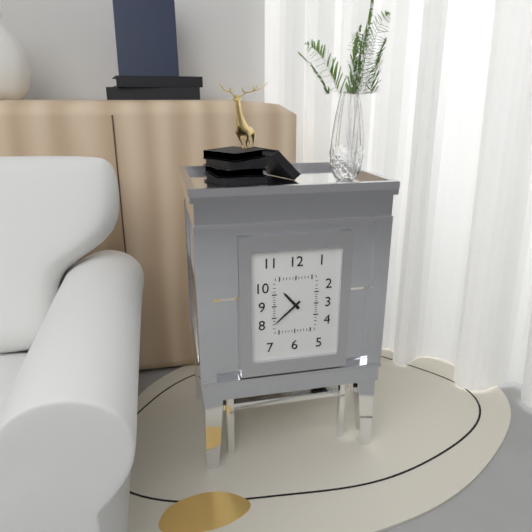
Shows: 10 h 38 min
